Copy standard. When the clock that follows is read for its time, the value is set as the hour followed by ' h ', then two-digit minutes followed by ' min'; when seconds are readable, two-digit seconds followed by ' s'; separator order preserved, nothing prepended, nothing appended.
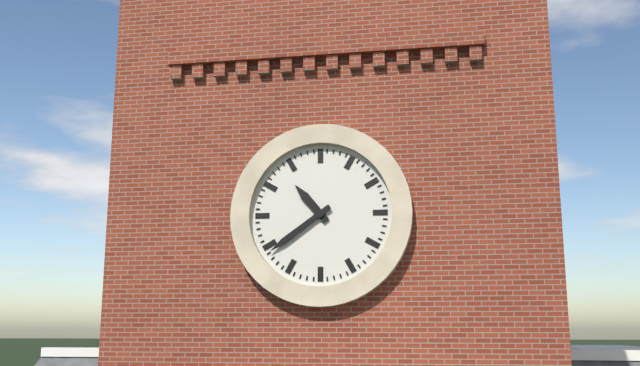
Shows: 10 h 39 min
